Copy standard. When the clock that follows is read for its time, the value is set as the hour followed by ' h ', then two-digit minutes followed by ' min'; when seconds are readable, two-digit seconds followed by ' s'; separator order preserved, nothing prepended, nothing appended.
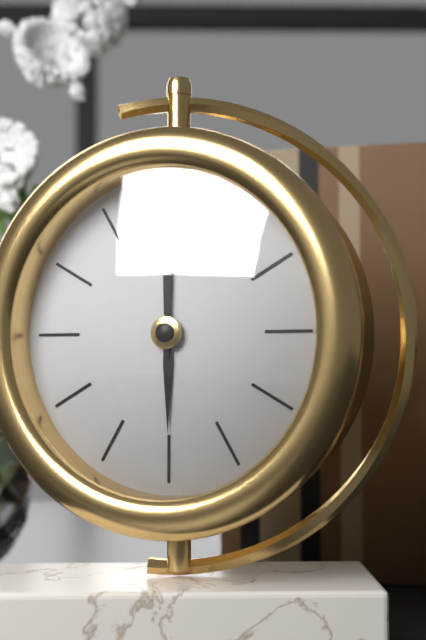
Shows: 6 h 00 min
